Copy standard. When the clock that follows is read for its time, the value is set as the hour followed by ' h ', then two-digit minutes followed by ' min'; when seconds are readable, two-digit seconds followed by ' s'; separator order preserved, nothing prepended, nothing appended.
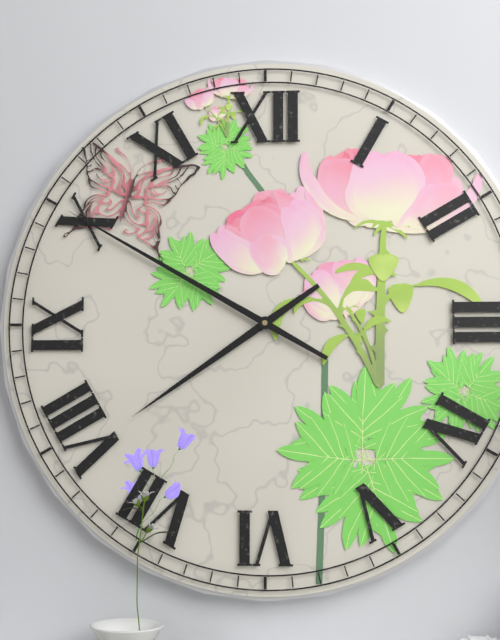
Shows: 7 h 50 min
